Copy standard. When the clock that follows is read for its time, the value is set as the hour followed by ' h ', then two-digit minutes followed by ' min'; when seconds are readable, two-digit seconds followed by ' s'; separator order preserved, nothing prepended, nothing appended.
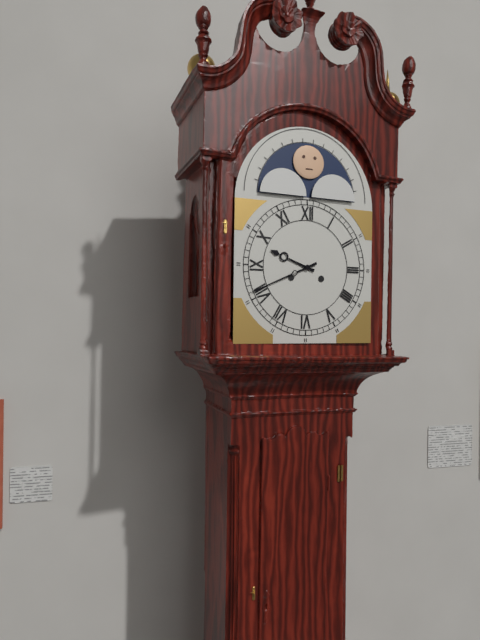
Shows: 9 h 41 min
